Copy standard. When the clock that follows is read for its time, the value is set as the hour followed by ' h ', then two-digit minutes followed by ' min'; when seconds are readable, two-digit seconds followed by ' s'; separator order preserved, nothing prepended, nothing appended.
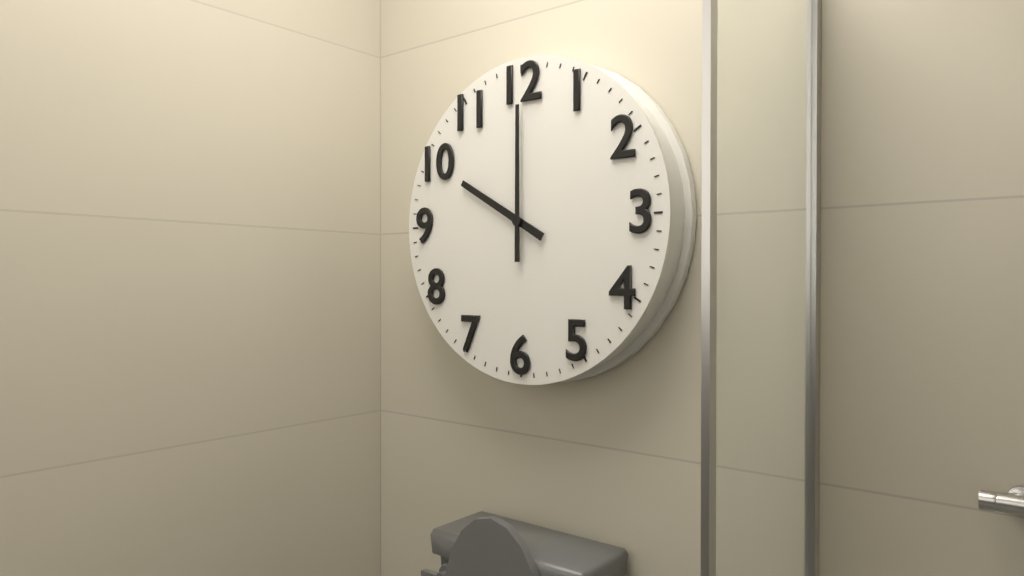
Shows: 10 h 00 min
